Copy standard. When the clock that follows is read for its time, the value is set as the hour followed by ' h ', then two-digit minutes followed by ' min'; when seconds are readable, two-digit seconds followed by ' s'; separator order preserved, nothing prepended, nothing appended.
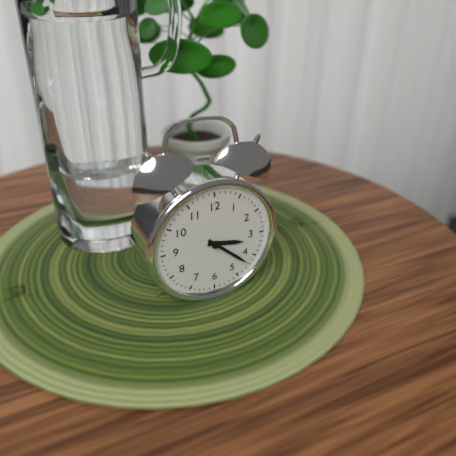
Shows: 3 h 22 min
